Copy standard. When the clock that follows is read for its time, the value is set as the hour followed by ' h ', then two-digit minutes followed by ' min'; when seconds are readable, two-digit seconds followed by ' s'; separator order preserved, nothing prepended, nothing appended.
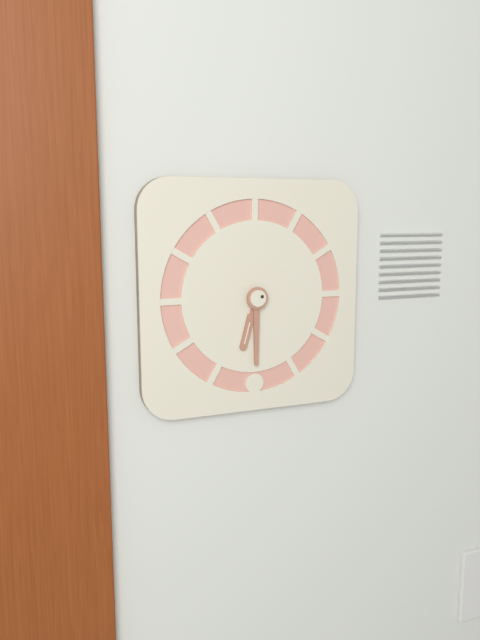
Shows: 6 h 30 min
